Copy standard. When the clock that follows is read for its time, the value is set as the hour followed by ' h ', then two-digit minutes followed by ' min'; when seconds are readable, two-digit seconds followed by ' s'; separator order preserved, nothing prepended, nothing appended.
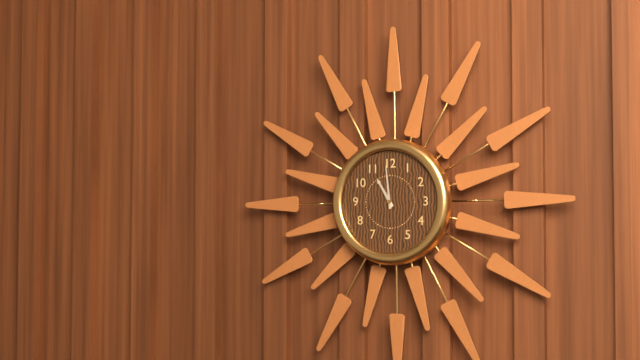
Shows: 10 h 59 min
